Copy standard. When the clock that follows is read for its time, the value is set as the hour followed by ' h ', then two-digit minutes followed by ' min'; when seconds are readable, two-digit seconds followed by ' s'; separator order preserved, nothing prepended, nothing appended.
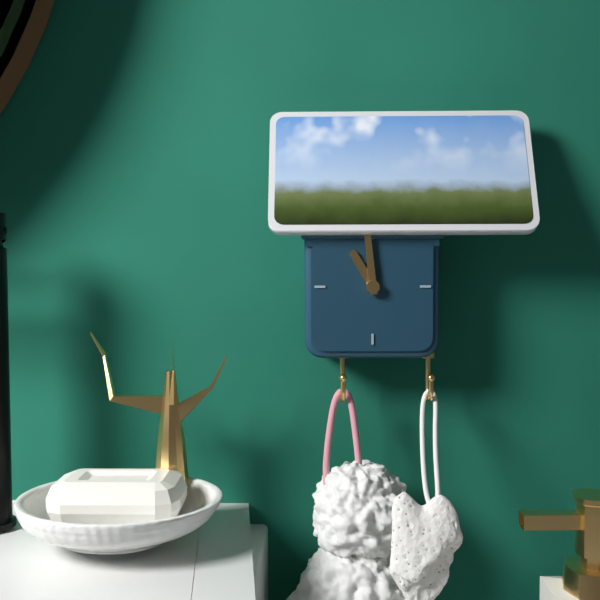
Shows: 10 h 59 min
